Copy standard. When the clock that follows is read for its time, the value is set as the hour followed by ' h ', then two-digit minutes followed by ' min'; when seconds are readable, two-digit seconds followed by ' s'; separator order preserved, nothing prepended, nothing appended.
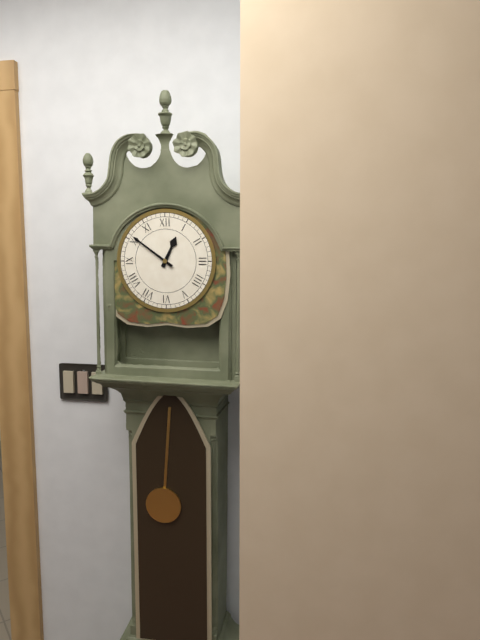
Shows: 12 h 51 min
